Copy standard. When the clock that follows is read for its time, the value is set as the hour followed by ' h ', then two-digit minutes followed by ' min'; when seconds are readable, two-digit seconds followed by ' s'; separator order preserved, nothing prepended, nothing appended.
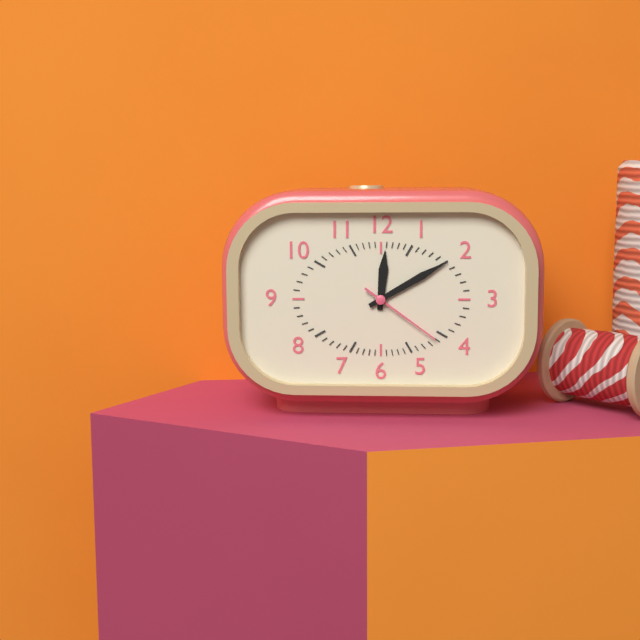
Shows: 12 h 10 min 21 s
